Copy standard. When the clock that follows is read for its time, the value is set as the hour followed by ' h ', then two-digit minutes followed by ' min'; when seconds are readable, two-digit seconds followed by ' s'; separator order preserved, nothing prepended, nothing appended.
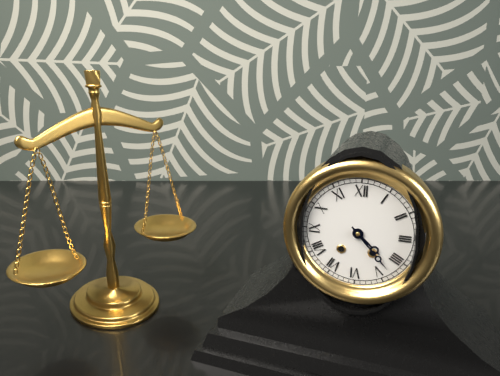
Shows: 4 h 23 min
